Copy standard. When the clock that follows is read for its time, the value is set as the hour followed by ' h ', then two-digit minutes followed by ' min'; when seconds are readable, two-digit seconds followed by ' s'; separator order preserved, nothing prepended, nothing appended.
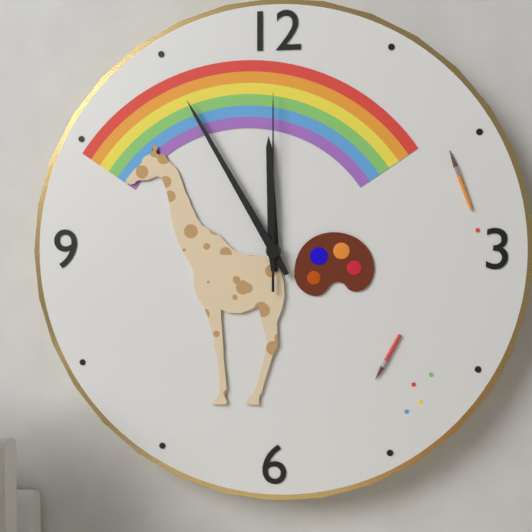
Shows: 11 h 55 min 00 s
